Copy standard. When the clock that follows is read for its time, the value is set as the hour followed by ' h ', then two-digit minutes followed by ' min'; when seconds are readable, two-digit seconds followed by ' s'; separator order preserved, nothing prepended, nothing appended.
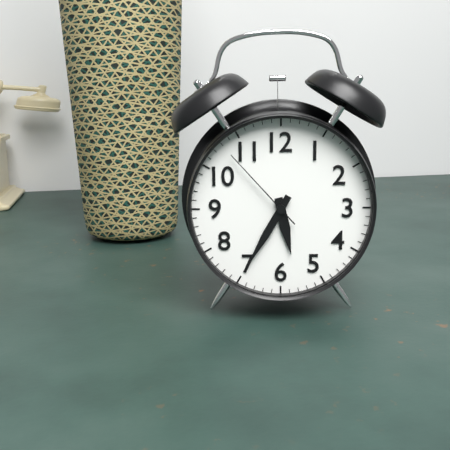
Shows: 5 h 35 min 53 s
